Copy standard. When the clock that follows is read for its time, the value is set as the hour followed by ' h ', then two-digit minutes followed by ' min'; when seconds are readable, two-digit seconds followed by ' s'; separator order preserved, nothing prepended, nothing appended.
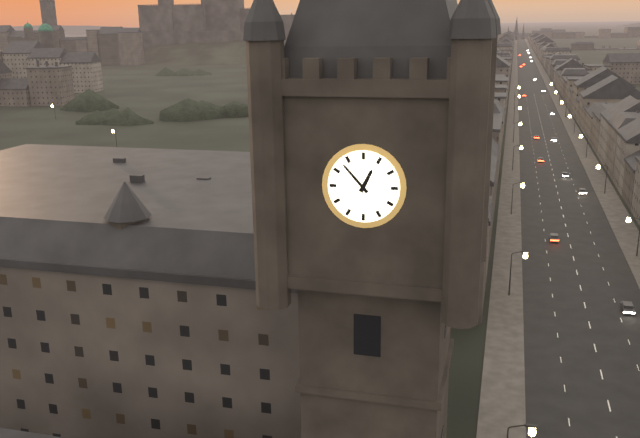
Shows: 12 h 53 min
